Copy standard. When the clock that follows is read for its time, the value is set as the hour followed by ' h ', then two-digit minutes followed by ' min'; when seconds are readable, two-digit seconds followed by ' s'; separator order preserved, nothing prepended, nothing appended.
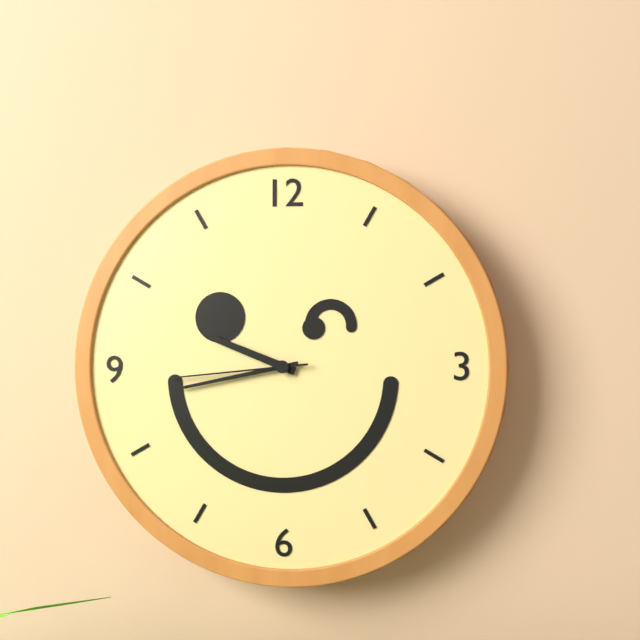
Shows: 9 h 43 min 44 s
